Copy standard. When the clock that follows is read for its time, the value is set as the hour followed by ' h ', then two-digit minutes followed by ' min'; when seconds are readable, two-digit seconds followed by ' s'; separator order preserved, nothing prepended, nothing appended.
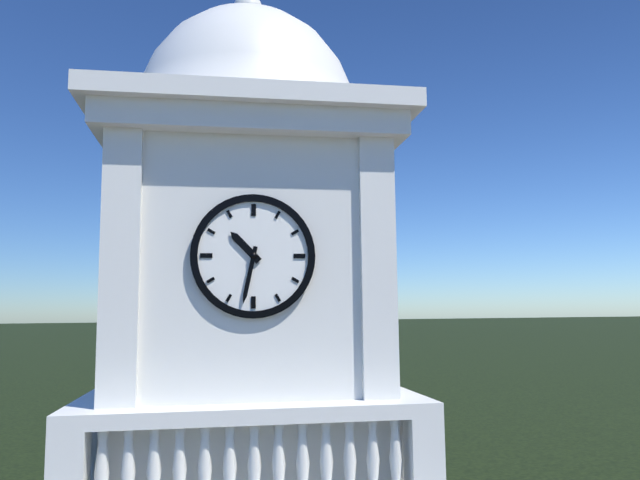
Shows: 10 h 32 min
